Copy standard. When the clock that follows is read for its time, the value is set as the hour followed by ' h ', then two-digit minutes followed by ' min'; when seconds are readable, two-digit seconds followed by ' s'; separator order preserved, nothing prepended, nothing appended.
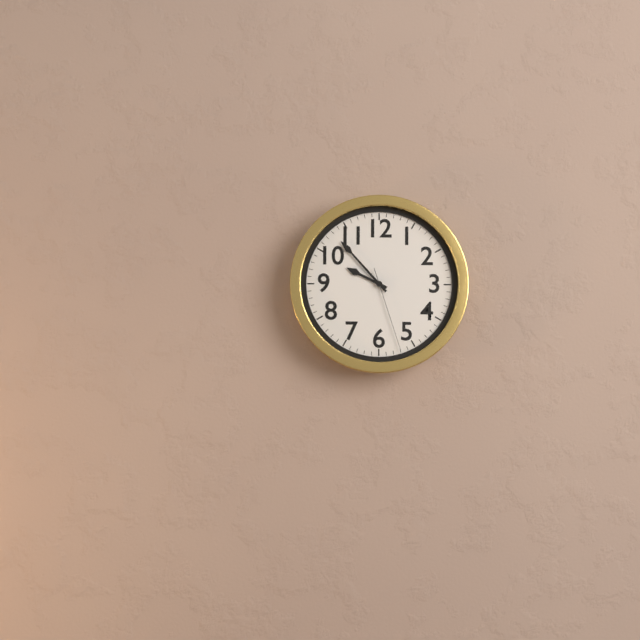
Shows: 9 h 53 min 27 s
